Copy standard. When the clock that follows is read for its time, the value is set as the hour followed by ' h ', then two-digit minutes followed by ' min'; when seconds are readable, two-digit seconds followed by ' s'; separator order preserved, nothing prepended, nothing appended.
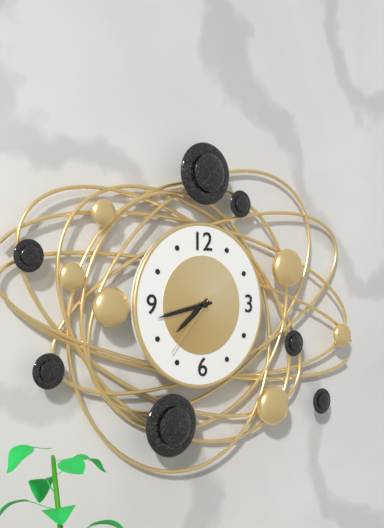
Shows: 7 h 43 min 37 s
